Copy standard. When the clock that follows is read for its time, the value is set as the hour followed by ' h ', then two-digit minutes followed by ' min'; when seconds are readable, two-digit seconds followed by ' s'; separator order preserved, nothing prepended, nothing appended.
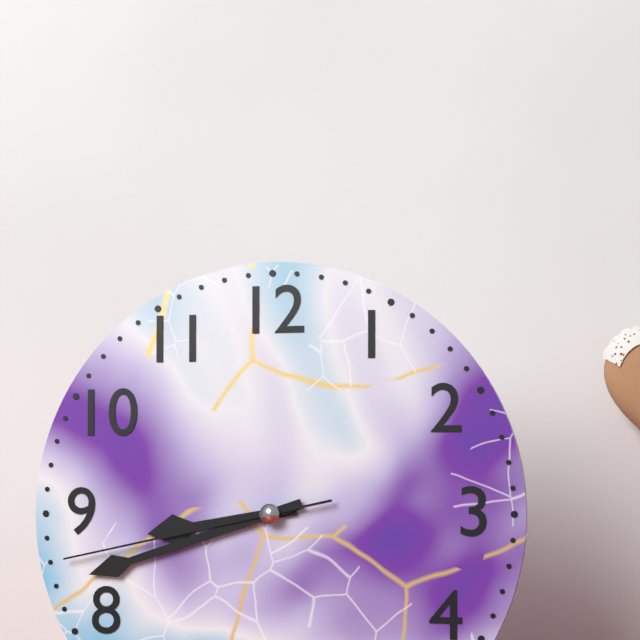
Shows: 8 h 42 min 43 s
